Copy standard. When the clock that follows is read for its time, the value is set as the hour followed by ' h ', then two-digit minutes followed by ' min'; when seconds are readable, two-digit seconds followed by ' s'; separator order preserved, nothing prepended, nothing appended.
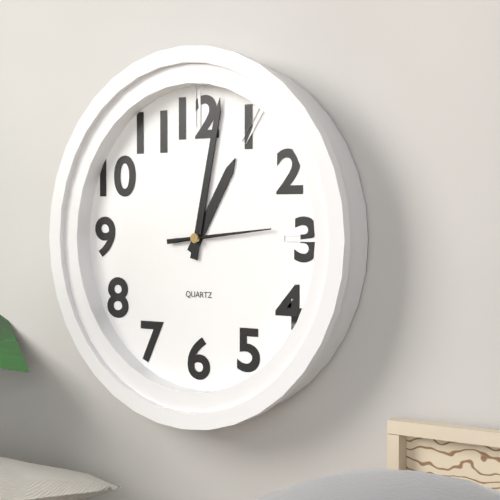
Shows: 1 h 02 min 14 s
